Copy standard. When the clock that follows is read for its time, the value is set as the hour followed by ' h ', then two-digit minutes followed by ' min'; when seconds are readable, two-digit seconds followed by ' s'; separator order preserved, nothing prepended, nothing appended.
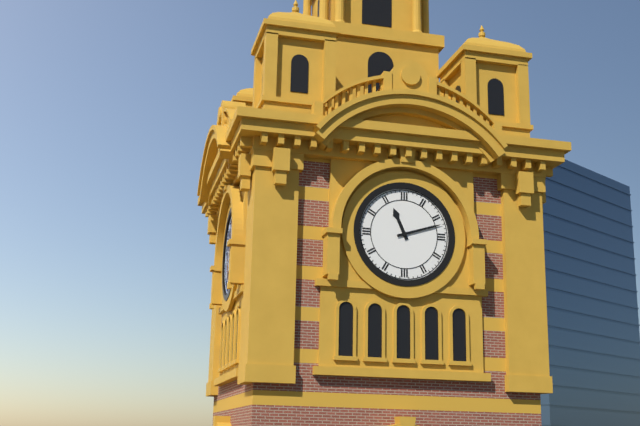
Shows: 11 h 12 min
